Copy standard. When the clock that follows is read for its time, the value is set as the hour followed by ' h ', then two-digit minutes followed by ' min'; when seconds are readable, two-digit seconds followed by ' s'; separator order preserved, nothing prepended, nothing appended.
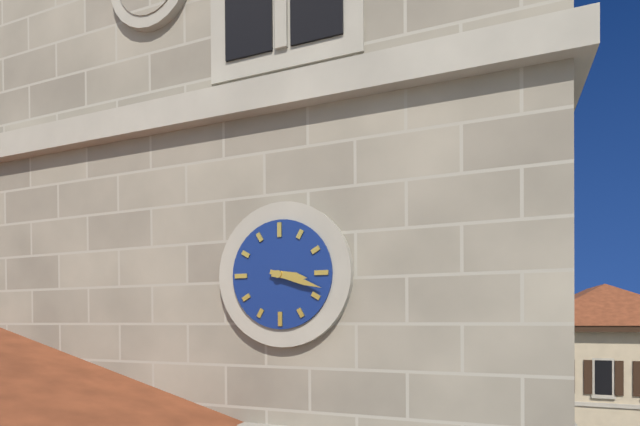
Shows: 3 h 18 min
